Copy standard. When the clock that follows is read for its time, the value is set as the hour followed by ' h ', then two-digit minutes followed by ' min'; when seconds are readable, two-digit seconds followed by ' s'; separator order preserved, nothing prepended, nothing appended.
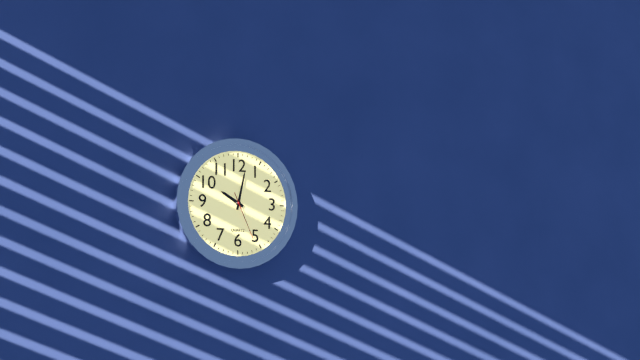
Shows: 10 h 02 min 26 s
